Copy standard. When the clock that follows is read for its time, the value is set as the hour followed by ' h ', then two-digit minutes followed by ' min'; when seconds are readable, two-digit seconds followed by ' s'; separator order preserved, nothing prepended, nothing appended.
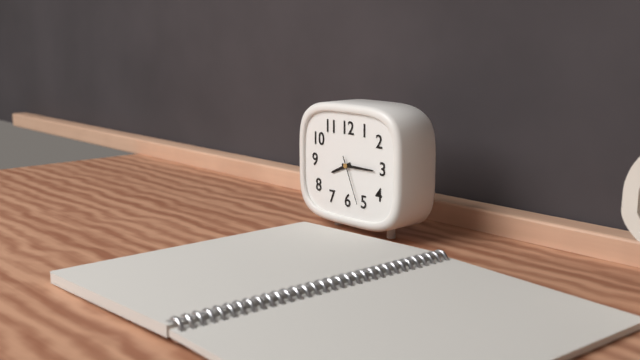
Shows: 8 h 15 min 26 s
